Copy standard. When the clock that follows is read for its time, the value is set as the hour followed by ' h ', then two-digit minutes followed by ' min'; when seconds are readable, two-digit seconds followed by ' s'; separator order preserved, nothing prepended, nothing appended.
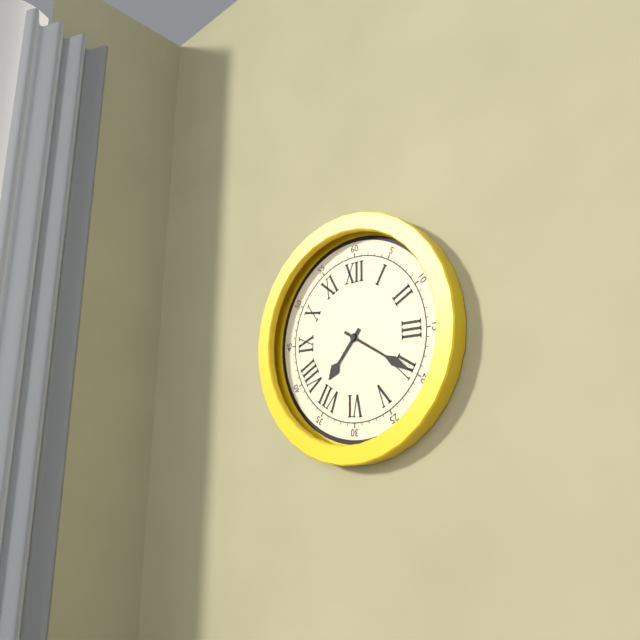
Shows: 7 h 20 min
